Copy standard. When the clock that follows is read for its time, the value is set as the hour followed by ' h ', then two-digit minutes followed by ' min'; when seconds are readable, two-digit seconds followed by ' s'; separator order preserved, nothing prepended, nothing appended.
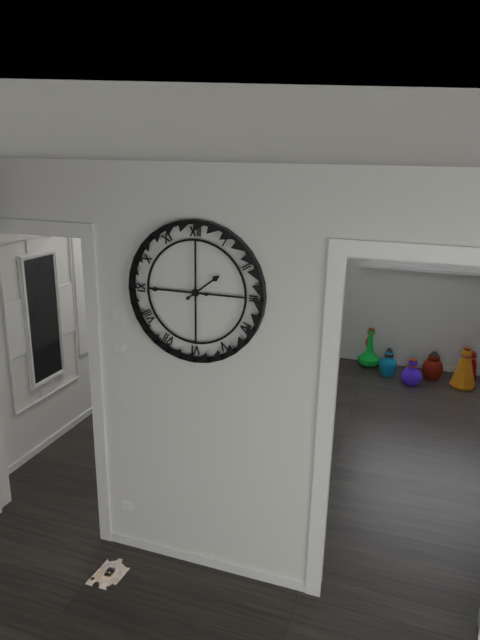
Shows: 1 h 45 min
